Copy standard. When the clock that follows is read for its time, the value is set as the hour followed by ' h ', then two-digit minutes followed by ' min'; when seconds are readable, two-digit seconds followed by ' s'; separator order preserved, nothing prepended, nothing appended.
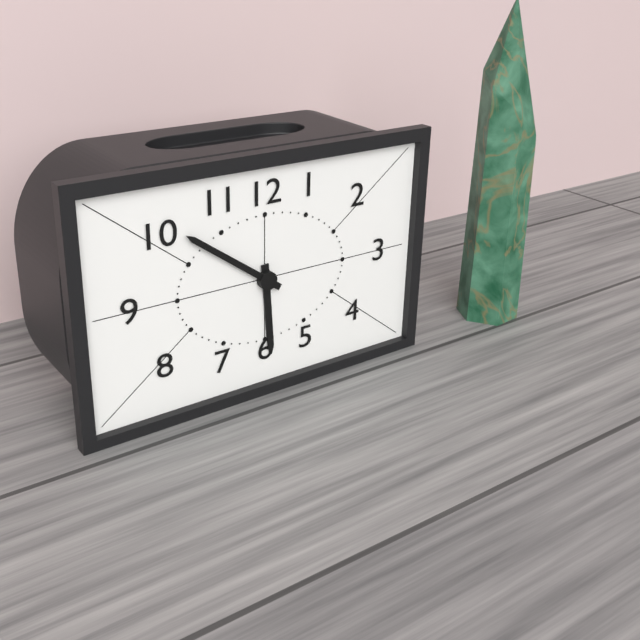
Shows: 5 h 51 min
